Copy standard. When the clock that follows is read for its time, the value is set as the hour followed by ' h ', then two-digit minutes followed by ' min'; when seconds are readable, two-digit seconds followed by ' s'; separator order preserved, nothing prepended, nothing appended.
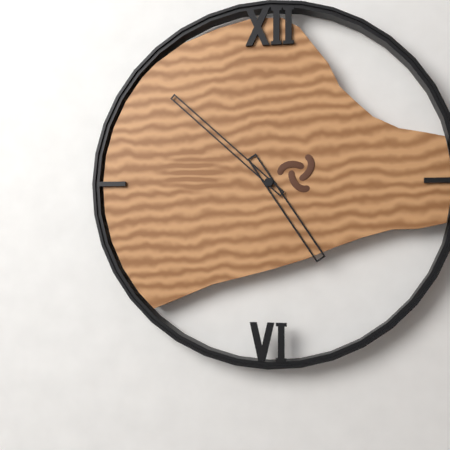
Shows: 4 h 52 min
